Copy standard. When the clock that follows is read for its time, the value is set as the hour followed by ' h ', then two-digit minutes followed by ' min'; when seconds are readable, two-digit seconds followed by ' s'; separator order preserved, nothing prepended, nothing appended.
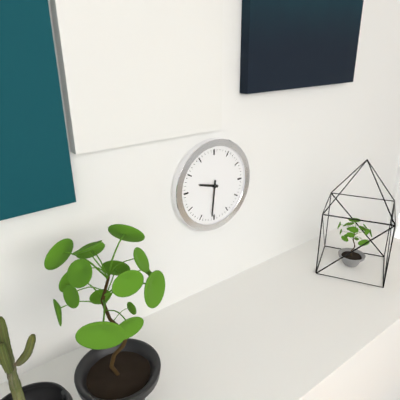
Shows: 9 h 31 min
